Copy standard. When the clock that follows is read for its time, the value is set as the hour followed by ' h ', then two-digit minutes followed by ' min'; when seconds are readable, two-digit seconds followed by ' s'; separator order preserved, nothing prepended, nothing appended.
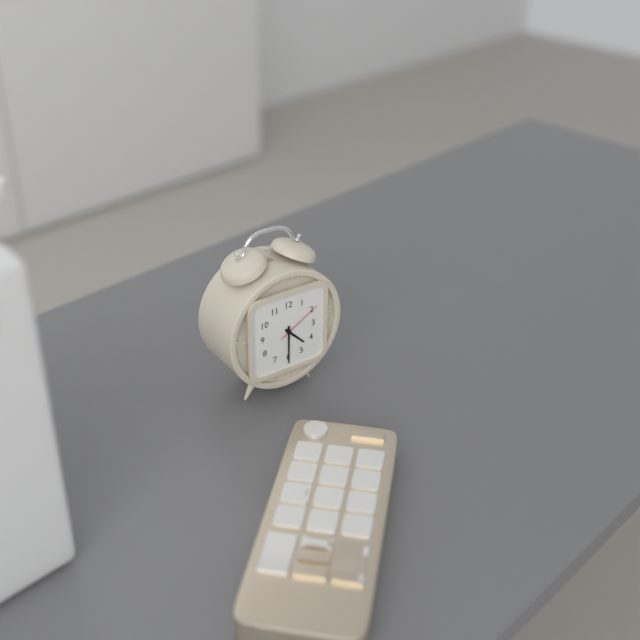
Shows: 4 h 30 min
